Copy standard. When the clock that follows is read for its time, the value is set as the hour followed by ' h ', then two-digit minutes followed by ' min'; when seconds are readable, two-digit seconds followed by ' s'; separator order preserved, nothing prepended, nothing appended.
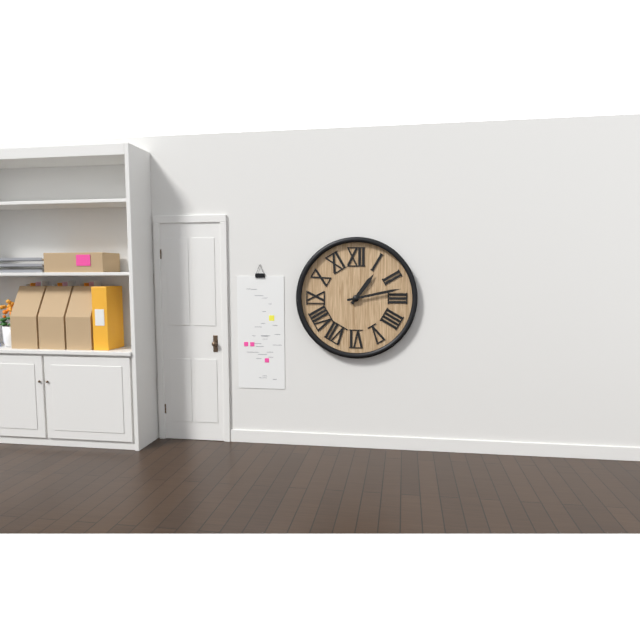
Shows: 1 h 13 min
